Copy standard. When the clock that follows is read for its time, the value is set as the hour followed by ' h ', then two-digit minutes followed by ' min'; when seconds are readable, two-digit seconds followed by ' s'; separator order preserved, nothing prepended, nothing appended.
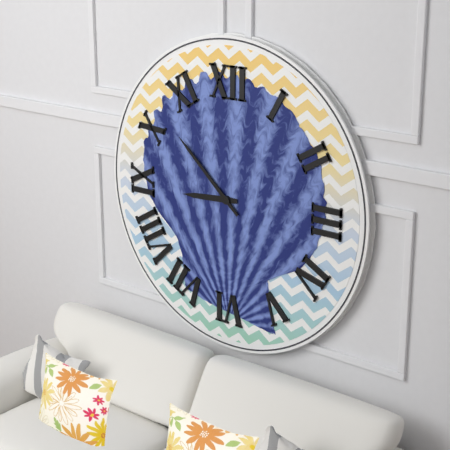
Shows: 8 h 52 min
